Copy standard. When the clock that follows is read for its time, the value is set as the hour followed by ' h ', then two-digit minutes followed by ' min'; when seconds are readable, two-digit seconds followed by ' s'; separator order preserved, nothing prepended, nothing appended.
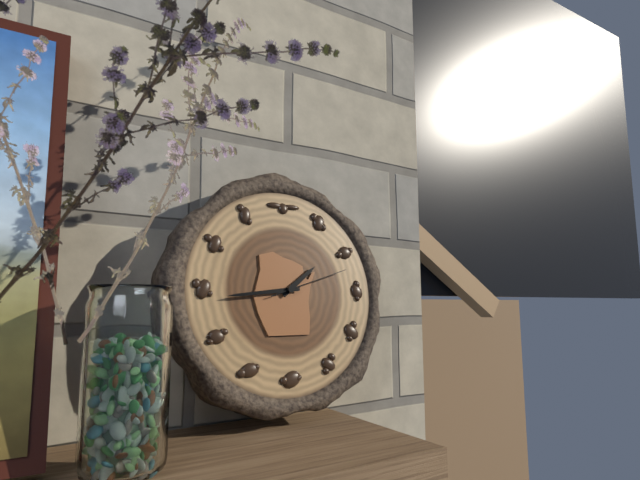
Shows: 1 h 44 min 12 s
